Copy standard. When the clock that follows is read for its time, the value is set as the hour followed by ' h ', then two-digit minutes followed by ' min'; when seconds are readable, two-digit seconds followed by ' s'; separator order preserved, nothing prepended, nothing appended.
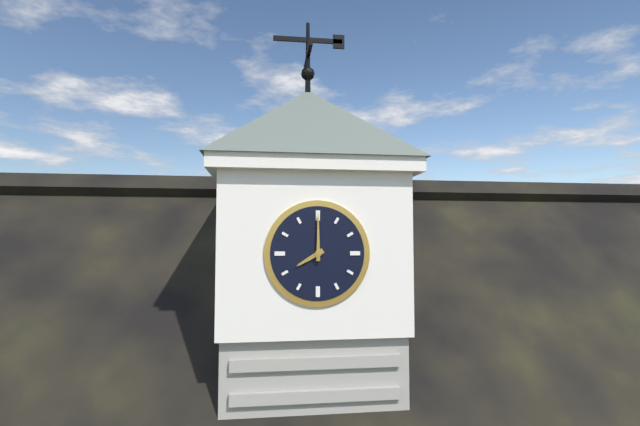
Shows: 8 h 00 min
